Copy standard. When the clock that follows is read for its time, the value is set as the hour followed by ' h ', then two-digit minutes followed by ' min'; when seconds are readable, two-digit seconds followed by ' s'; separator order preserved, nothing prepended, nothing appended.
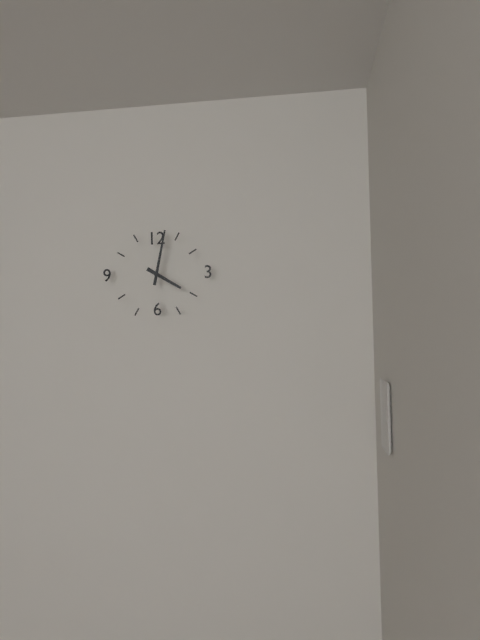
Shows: 4 h 02 min
